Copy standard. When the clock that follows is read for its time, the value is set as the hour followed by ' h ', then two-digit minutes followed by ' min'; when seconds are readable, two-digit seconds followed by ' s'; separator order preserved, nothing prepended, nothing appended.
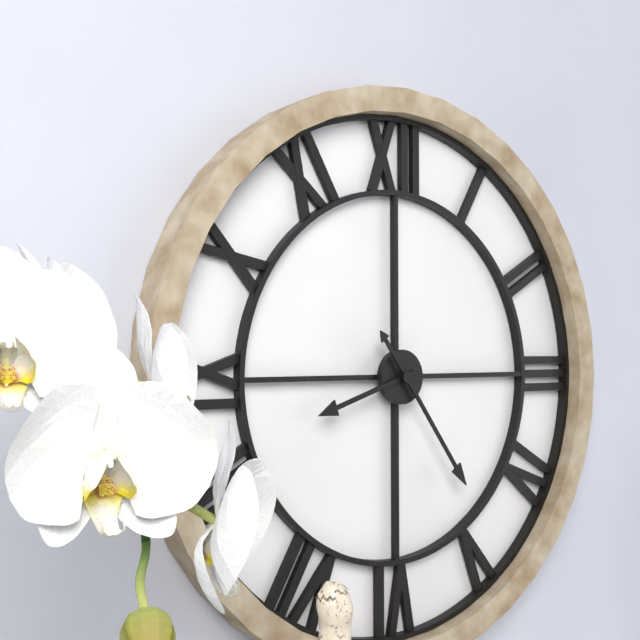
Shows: 8 h 24 min
